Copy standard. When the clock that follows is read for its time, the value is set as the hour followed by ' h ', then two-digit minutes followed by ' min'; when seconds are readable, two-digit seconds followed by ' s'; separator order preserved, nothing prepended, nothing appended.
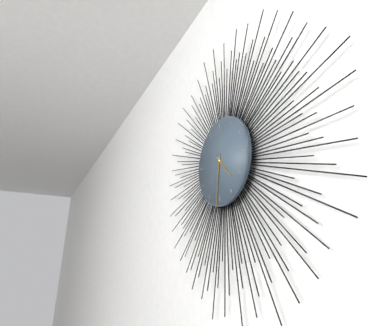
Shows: 4 h 31 min
